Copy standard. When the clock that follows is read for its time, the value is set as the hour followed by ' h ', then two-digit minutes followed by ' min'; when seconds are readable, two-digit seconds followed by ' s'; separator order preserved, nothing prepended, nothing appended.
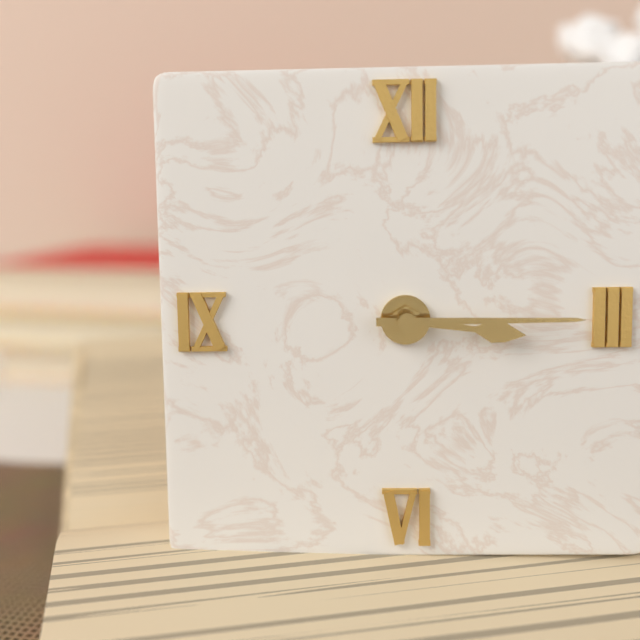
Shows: 3 h 15 min
